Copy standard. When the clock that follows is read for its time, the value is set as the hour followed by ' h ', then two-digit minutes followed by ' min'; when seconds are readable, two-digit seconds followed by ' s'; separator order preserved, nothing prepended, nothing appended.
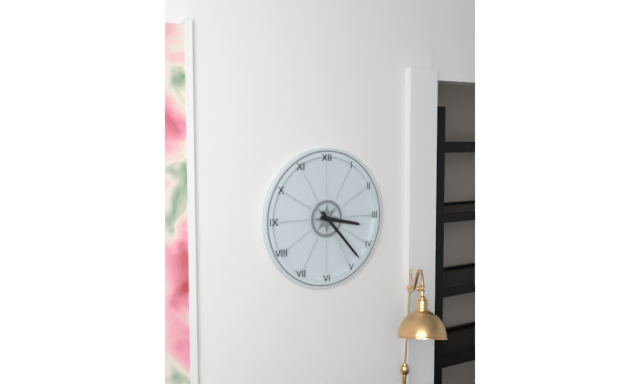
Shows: 3 h 23 min
